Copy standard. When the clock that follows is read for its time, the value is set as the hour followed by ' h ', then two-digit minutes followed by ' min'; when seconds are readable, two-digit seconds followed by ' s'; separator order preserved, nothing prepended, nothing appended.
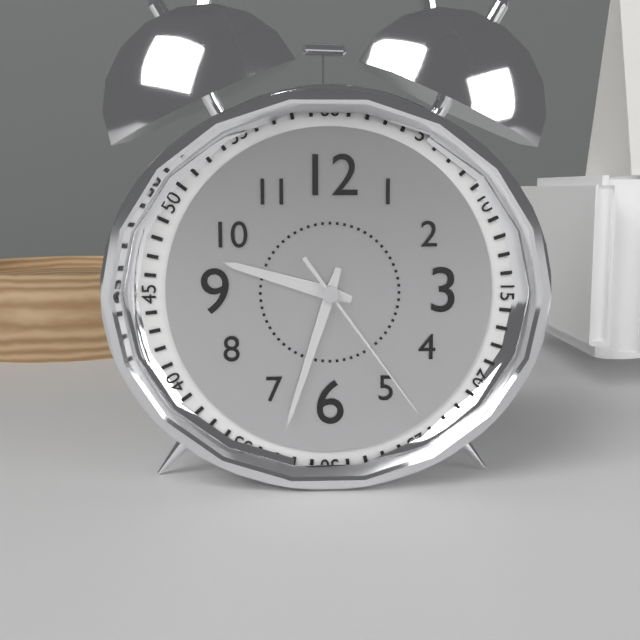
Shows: 9 h 33 min 24 s
